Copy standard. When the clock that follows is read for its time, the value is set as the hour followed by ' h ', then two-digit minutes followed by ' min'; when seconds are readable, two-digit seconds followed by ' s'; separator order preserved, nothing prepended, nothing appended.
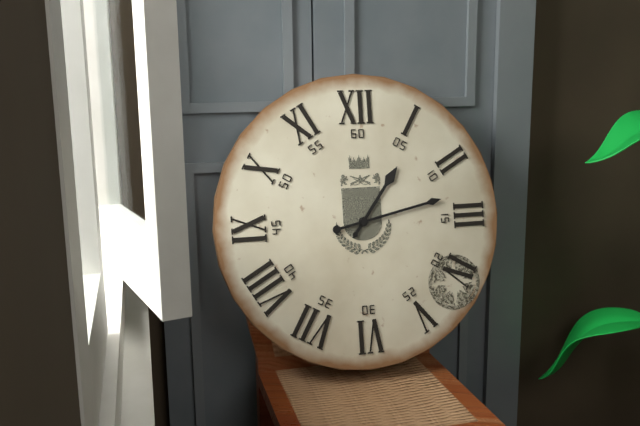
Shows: 1 h 13 min
